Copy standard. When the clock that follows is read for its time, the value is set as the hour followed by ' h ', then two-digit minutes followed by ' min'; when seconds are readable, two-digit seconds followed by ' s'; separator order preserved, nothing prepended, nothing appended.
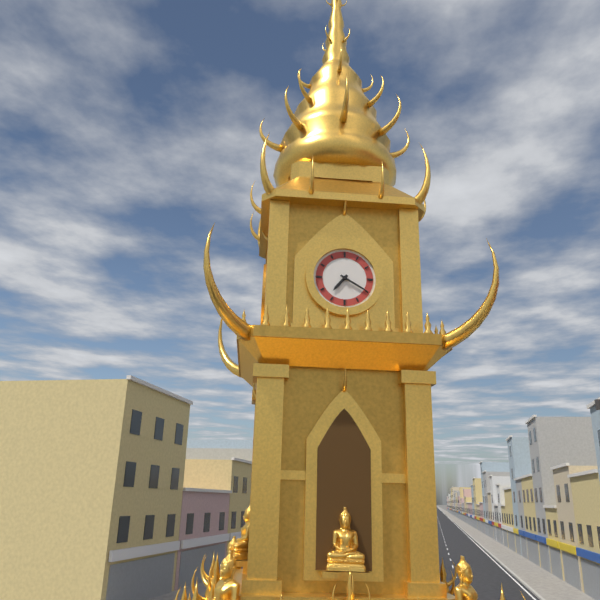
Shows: 7 h 20 min
